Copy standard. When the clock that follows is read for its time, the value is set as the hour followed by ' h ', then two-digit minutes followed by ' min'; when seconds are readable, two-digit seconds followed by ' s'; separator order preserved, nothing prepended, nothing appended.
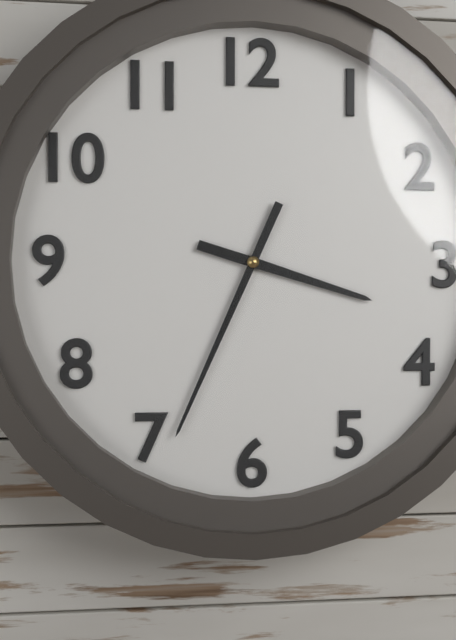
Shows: 3 h 34 min
